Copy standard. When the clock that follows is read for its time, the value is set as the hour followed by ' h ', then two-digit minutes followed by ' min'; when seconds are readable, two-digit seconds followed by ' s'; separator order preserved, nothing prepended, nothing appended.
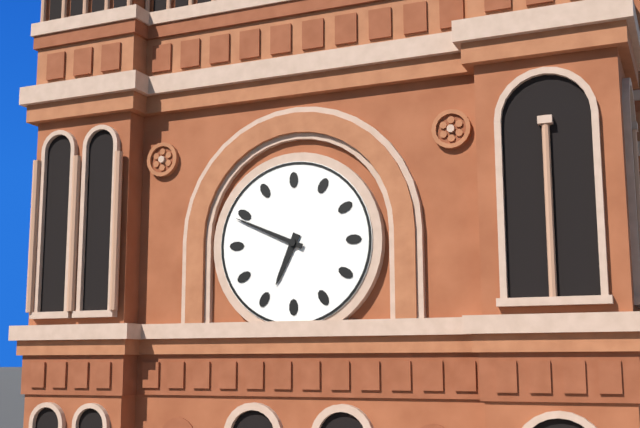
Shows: 6 h 49 min
